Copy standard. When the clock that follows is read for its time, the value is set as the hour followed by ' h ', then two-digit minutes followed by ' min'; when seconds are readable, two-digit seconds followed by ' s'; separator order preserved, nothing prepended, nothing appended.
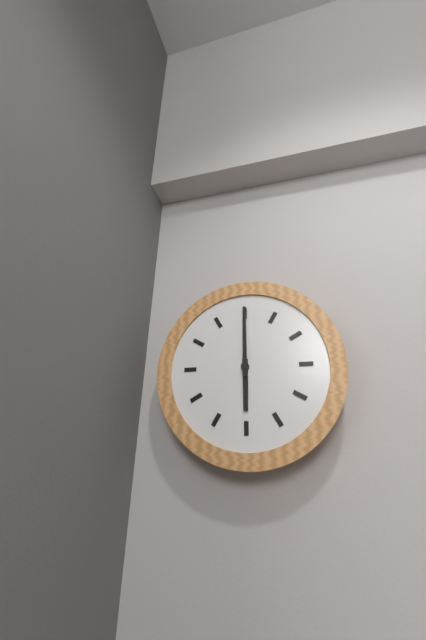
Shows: 6 h 00 min
